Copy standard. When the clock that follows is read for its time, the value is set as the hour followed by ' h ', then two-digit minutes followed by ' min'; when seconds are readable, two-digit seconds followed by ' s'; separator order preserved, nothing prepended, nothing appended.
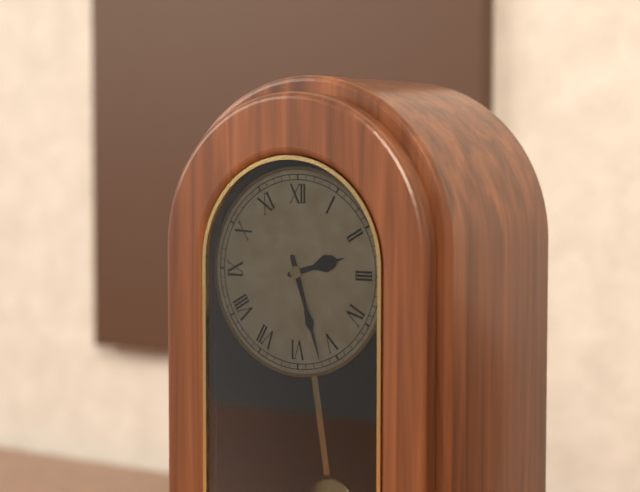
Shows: 2 h 27 min
